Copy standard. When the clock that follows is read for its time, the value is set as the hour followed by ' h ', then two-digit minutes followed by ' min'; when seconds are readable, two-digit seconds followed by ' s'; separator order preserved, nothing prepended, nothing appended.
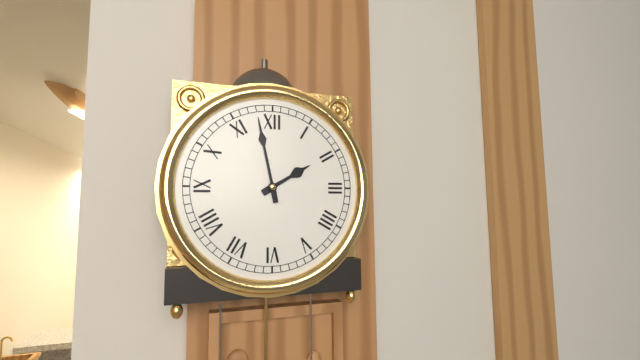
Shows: 1 h 58 min
